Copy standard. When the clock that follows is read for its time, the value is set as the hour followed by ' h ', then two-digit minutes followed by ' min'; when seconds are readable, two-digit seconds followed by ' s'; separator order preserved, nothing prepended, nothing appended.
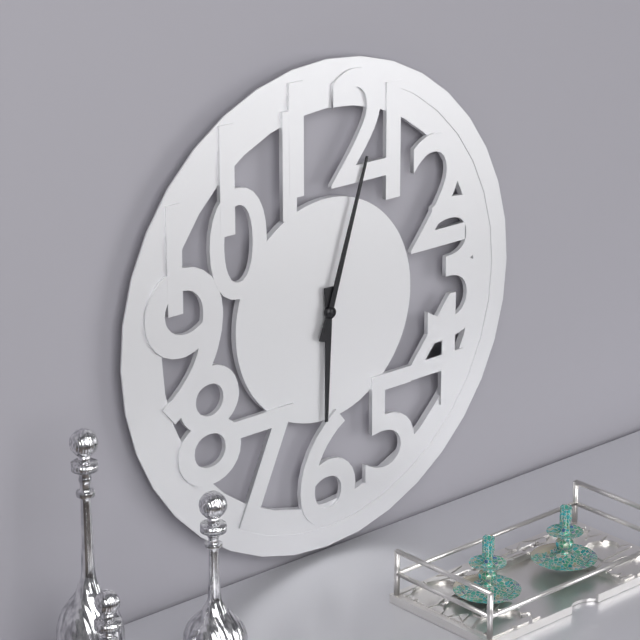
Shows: 6 h 03 min
